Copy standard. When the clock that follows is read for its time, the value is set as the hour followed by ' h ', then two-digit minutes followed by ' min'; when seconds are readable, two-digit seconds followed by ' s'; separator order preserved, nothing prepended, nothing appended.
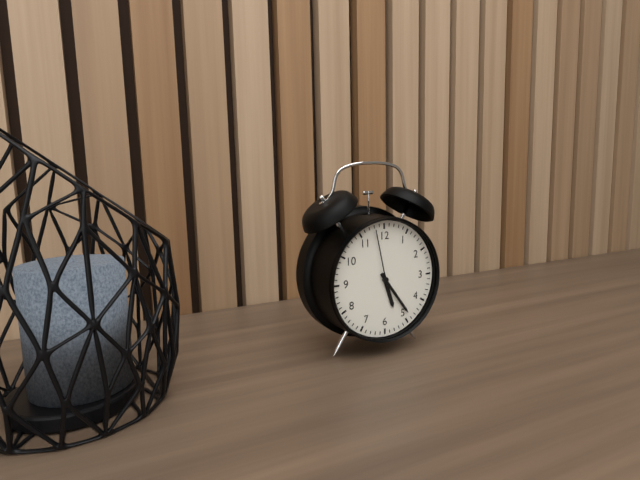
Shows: 5 h 24 min 58 s
